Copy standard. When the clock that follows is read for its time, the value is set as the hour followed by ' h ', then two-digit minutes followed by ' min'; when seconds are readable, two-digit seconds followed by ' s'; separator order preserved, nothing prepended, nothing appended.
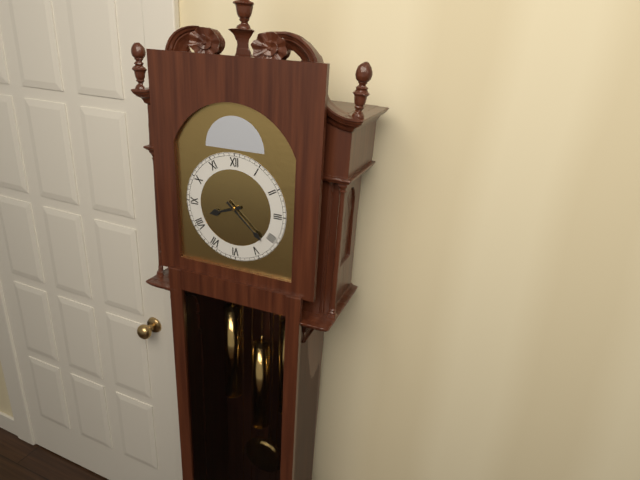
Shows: 8 h 22 min
